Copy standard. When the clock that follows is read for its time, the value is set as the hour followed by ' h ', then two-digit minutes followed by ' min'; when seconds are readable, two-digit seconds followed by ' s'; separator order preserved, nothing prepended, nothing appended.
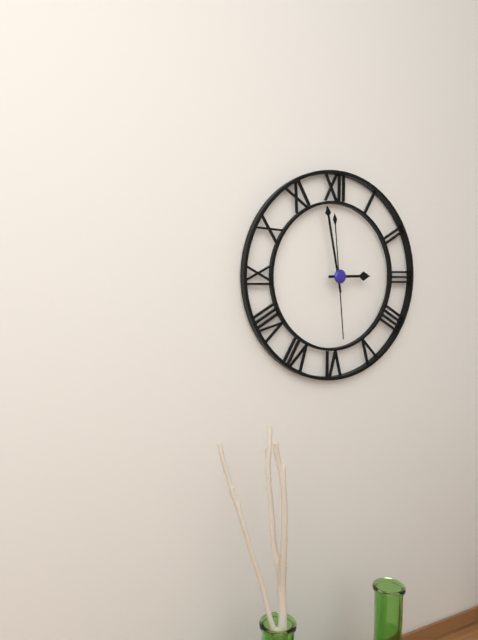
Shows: 2 h 58 min 29 s
